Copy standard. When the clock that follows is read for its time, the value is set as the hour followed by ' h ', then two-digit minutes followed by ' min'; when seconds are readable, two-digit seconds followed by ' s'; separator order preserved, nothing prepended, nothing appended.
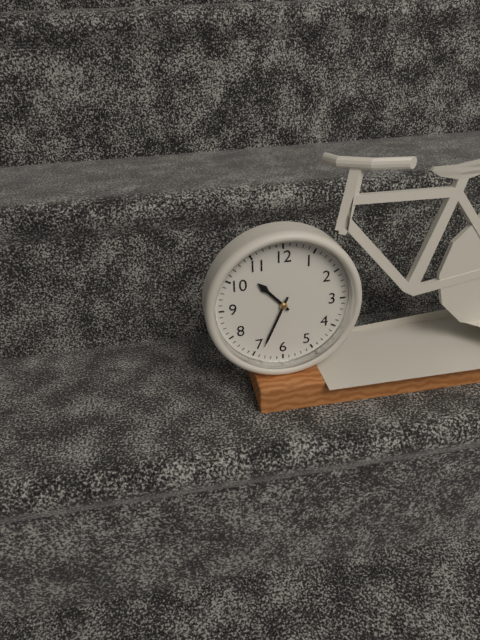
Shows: 10 h 34 min
